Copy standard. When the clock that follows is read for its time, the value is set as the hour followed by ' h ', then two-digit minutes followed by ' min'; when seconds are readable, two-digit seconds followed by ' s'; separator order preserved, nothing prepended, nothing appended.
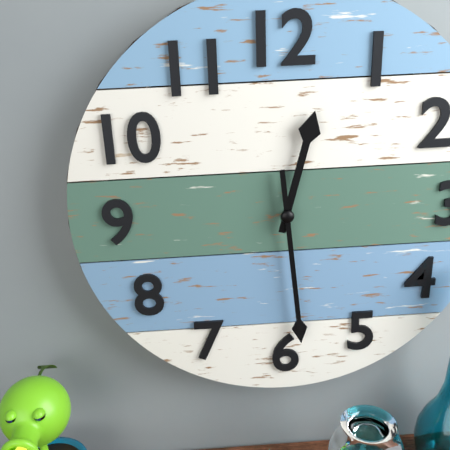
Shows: 12 h 29 min
